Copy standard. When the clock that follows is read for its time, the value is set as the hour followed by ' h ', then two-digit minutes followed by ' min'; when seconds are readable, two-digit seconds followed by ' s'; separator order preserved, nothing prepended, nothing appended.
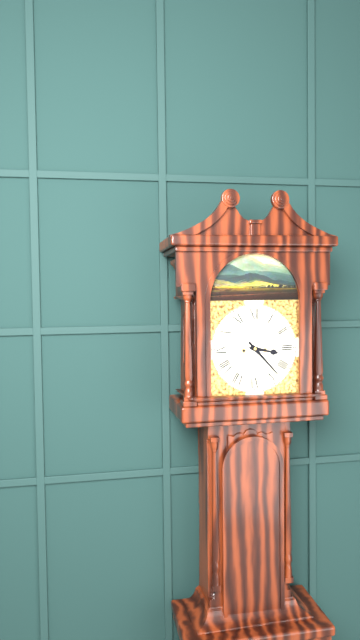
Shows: 3 h 23 min
